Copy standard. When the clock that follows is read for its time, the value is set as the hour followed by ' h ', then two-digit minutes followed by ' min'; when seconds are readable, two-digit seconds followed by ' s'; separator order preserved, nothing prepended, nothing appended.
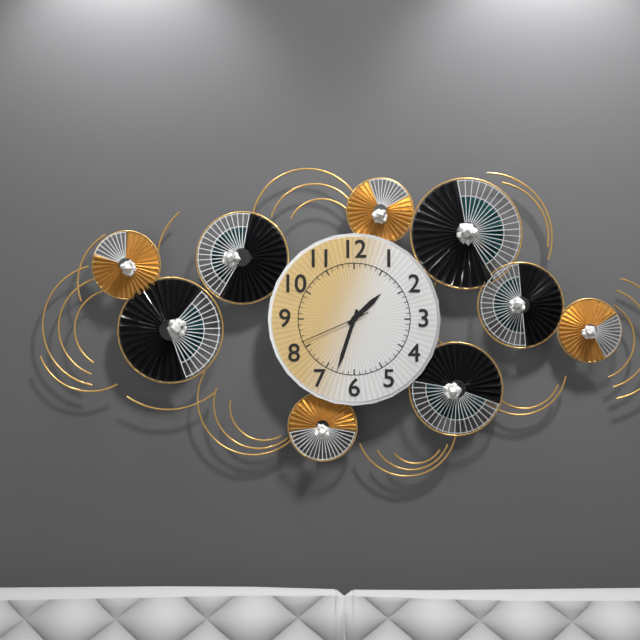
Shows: 1 h 33 min 41 s
